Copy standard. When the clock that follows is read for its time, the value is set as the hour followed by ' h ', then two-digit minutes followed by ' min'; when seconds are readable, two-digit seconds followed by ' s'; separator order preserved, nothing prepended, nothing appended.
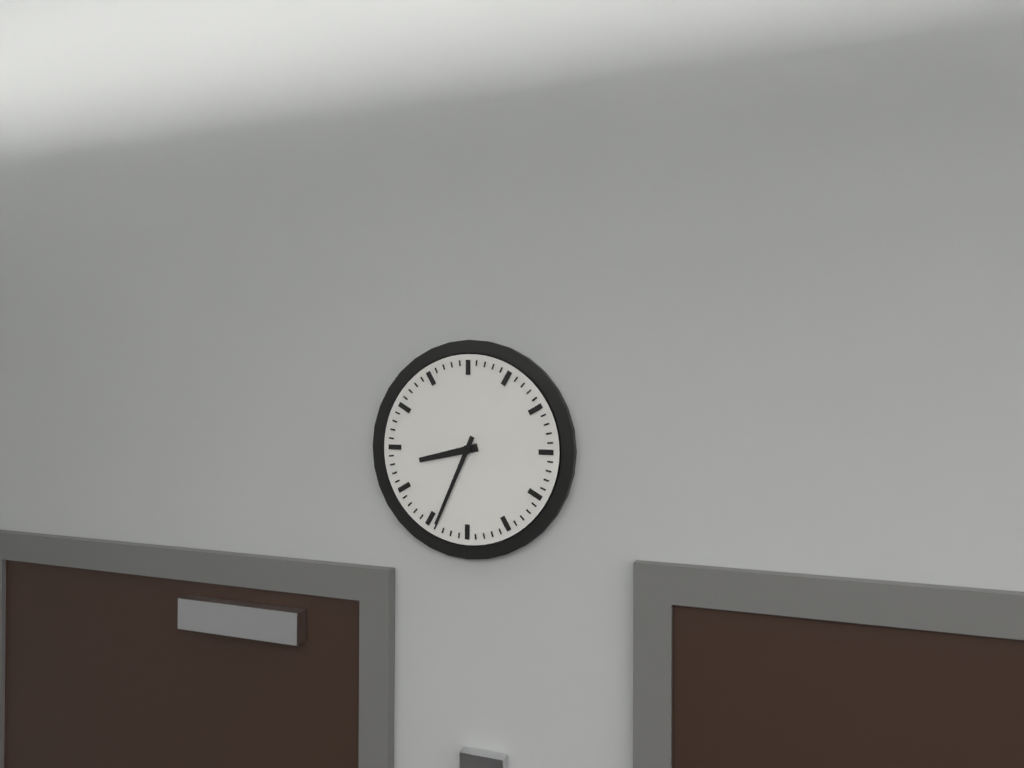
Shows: 8 h 34 min
